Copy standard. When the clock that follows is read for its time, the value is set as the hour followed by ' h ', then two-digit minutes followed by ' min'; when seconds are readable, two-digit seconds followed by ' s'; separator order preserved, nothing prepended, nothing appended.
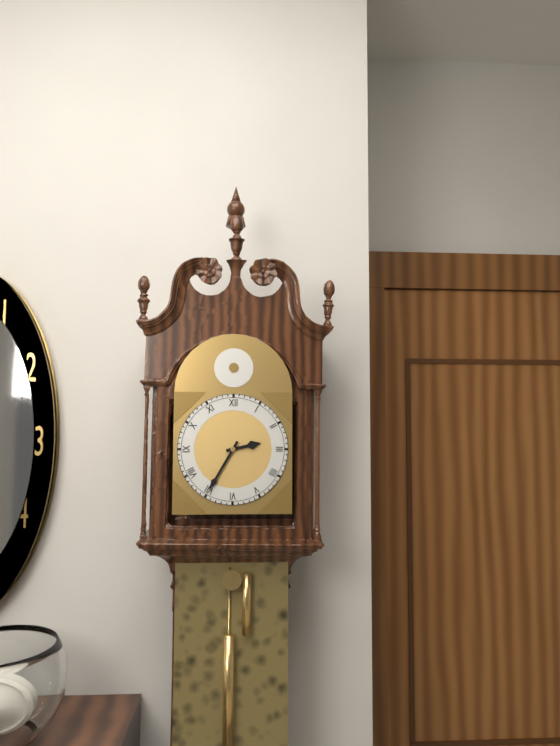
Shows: 2 h 35 min
